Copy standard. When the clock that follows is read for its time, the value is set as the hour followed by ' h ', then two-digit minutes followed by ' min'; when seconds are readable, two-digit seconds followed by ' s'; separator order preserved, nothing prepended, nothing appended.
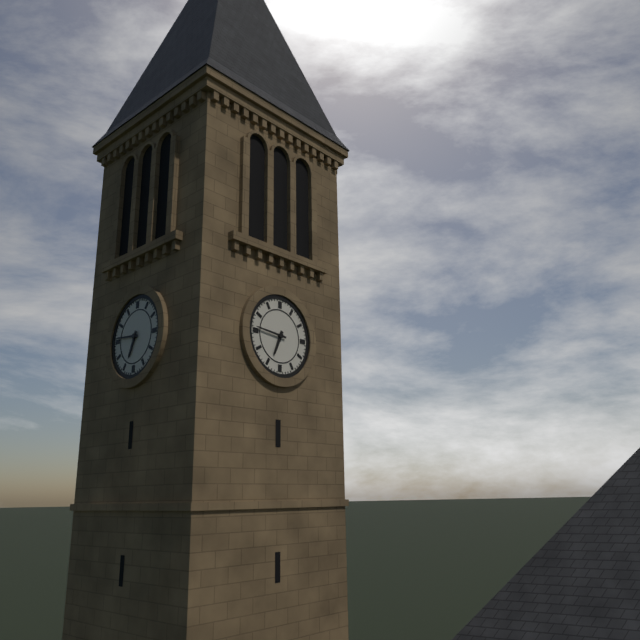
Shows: 6 h 46 min
